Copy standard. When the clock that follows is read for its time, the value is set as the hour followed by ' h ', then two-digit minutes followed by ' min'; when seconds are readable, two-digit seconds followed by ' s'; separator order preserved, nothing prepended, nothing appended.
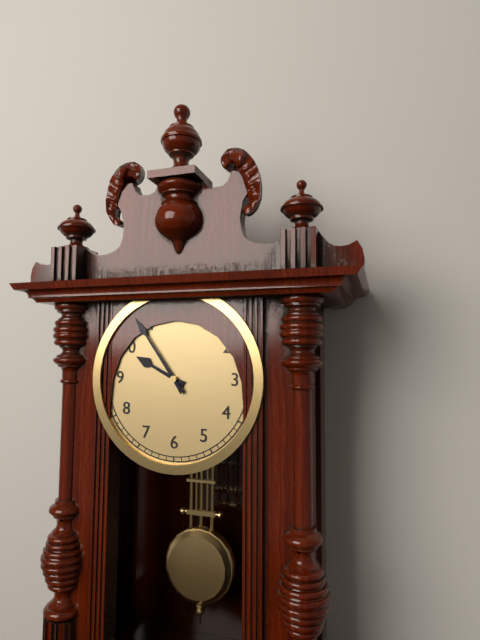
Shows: 9 h 54 min
